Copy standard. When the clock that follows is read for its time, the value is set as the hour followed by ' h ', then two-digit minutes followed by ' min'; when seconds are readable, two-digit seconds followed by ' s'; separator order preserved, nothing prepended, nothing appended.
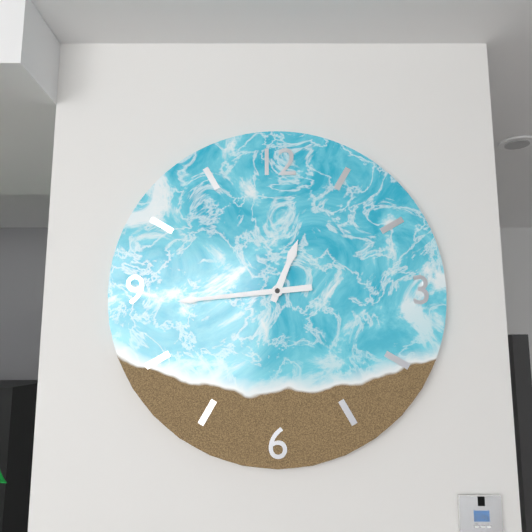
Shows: 12 h 44 min
